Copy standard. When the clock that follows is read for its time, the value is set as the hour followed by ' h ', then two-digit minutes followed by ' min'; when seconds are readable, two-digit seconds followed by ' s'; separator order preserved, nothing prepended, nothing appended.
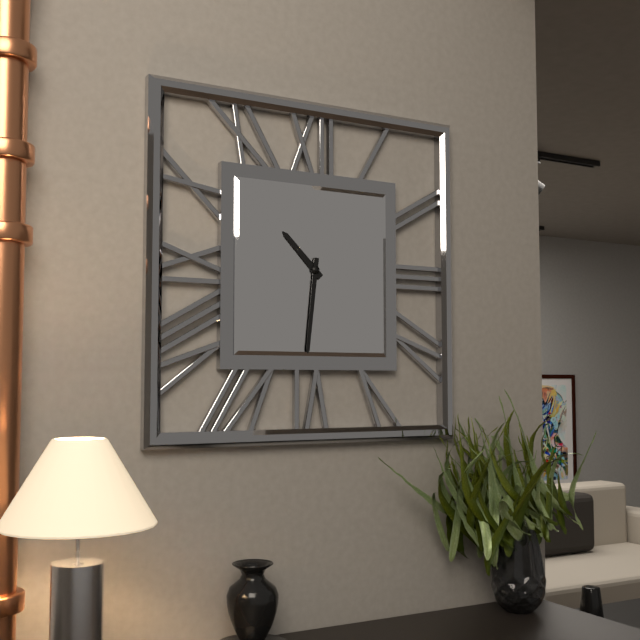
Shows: 10 h 31 min
